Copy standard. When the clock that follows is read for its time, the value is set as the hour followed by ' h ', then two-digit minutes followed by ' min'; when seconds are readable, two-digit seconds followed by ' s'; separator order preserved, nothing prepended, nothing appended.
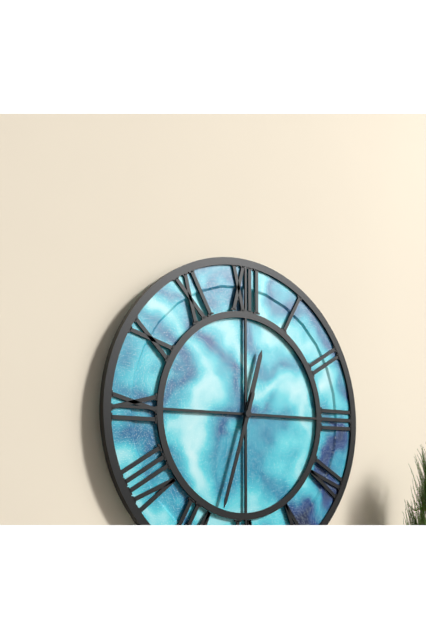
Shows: 12 h 33 min
